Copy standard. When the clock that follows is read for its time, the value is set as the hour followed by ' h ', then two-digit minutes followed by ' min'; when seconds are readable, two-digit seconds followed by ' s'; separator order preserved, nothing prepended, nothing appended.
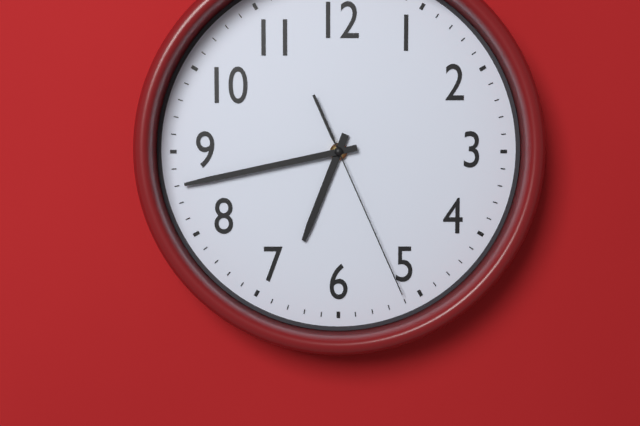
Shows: 6 h 43 min 26 s
